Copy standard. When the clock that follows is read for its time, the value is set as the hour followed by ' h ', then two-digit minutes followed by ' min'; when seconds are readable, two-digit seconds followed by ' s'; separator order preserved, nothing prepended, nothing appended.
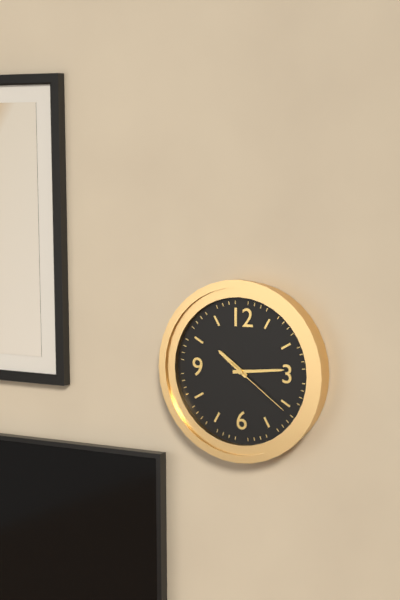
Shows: 10 h 14 min 21 s
